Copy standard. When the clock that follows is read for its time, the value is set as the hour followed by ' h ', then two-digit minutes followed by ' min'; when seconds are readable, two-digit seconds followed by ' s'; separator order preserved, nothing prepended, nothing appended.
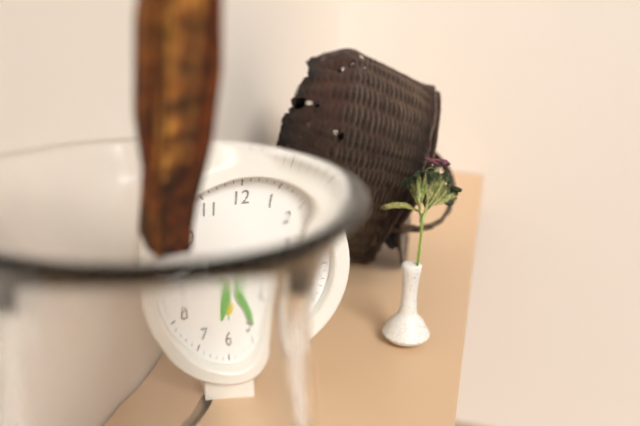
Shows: 6 h 24 min
